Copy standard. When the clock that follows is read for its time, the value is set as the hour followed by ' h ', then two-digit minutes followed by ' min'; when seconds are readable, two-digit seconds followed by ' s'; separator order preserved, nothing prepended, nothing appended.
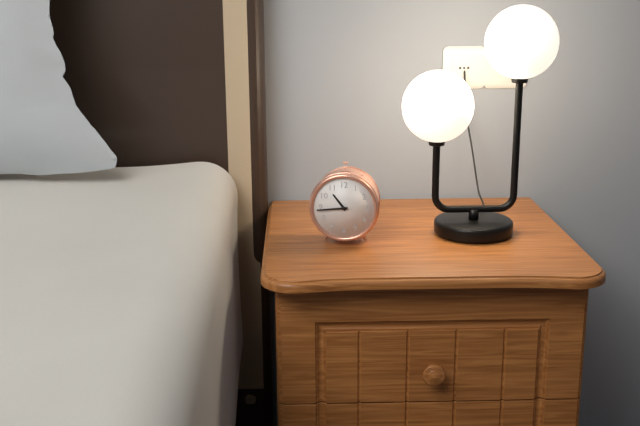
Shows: 10 h 44 min
